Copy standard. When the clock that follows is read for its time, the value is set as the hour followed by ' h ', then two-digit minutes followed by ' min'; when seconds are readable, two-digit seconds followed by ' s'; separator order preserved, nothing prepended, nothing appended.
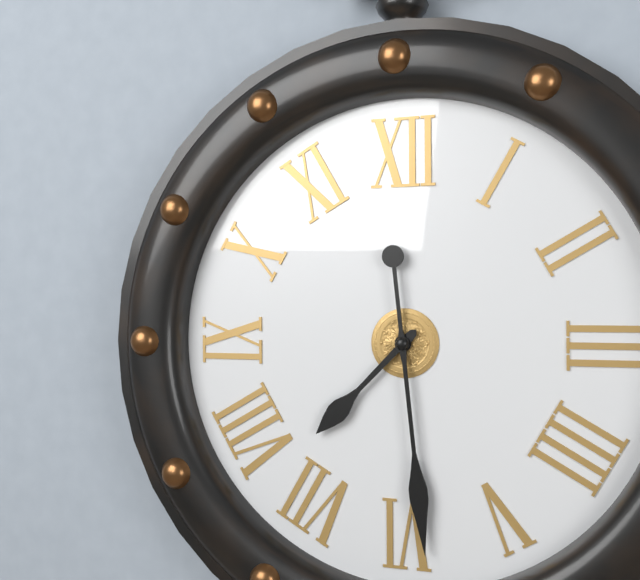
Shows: 7 h 29 min
